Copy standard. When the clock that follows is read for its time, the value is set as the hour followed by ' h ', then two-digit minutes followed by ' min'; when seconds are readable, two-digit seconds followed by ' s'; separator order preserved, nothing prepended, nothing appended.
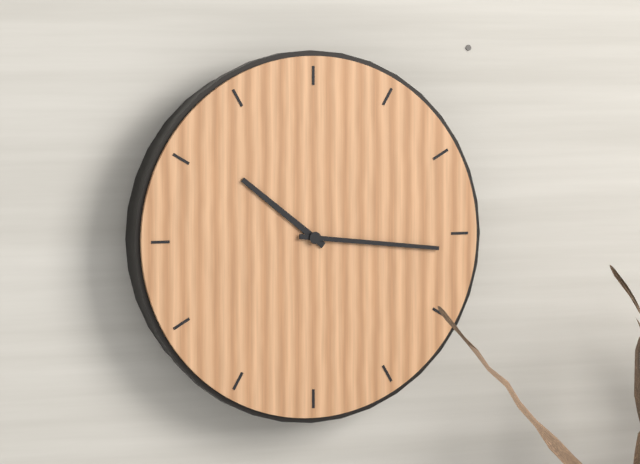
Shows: 10 h 16 min
